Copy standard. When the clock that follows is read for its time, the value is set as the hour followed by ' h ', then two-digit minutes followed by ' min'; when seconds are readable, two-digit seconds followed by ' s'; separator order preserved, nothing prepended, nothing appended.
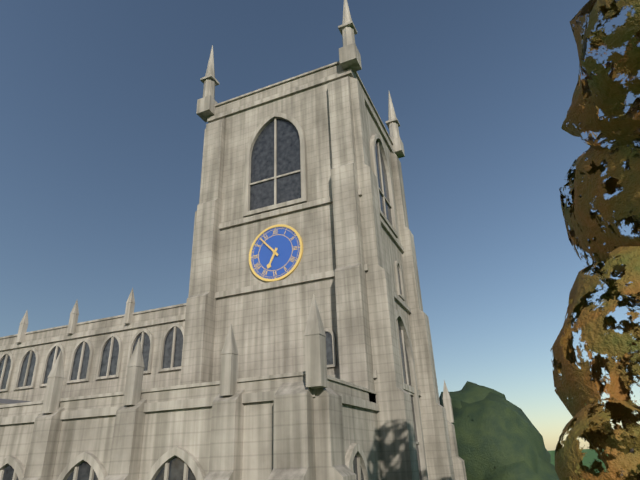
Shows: 6 h 53 min
